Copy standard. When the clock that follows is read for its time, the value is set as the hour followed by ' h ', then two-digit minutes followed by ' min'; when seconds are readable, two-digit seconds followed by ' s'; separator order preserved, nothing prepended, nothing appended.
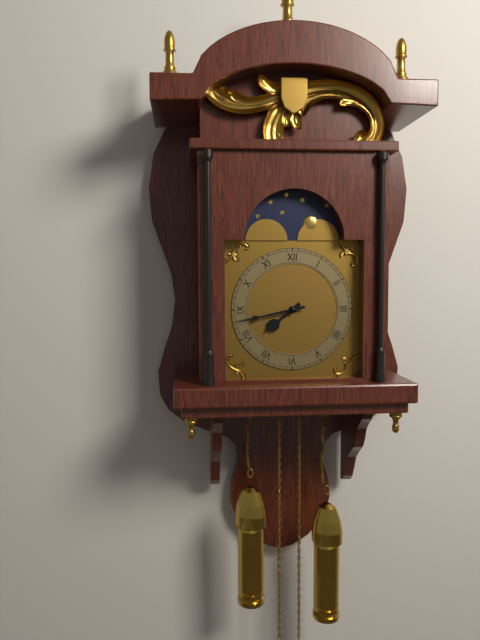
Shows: 7 h 43 min
